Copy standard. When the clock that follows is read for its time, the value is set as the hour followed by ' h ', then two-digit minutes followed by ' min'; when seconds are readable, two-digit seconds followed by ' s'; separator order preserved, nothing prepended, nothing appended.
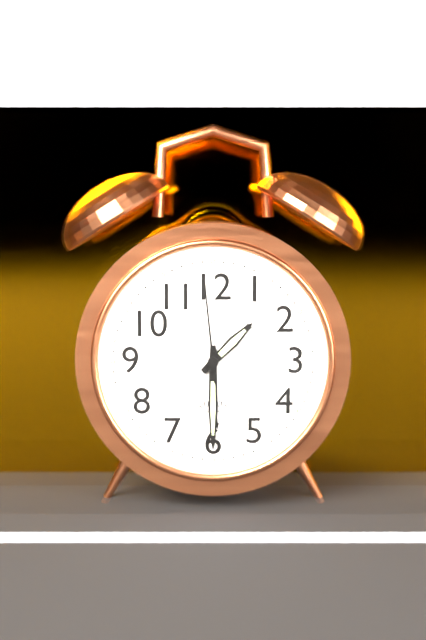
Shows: 1 h 30 min 59 s
